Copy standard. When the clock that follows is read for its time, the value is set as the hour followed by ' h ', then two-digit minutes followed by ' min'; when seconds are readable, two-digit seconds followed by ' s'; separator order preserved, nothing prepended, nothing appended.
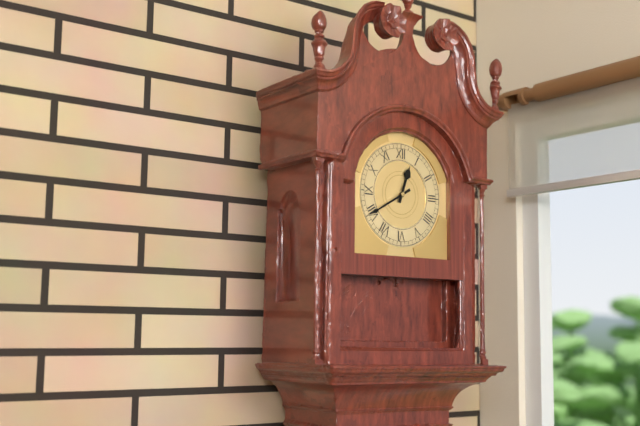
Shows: 12 h 40 min
